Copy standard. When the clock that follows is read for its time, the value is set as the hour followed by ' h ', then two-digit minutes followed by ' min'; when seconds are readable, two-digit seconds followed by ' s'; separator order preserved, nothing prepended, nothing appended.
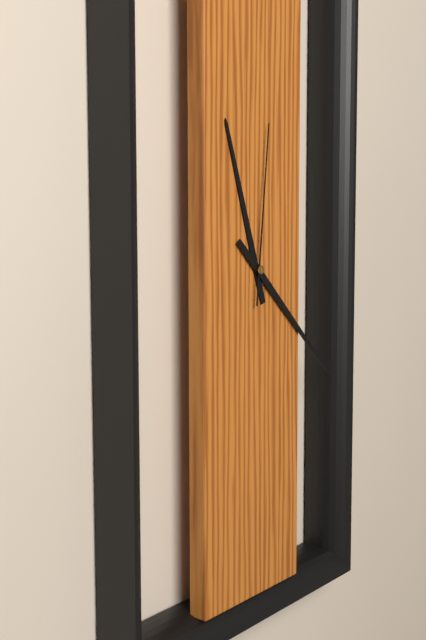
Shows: 11 h 22 min 01 s
